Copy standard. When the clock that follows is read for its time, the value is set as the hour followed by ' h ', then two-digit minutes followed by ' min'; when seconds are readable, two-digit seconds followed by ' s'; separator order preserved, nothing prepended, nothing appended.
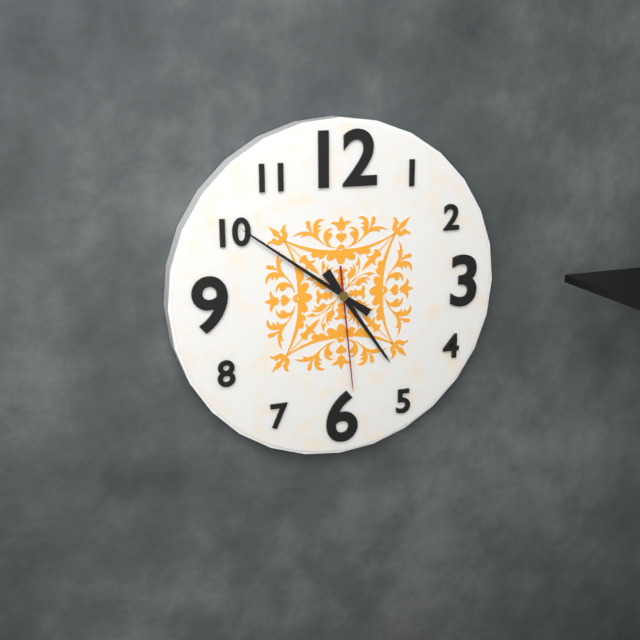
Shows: 4 h 51 min 29 s
